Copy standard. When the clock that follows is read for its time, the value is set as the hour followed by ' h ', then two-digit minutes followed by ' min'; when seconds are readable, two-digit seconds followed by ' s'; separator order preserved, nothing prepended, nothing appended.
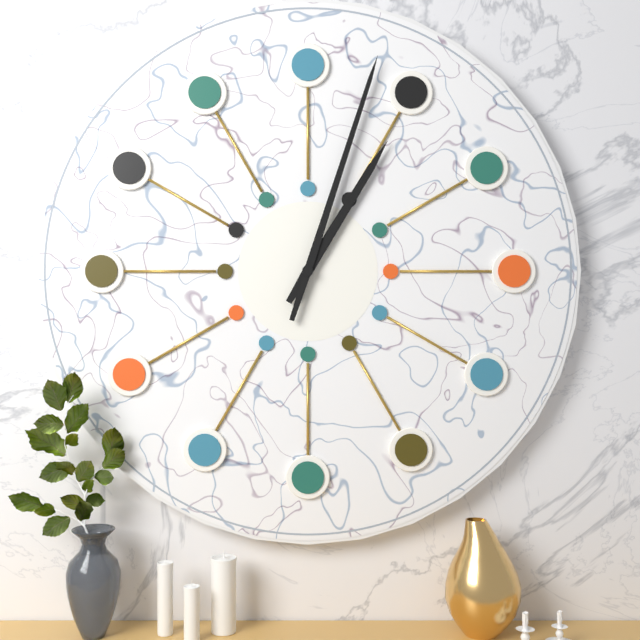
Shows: 1 h 03 min
